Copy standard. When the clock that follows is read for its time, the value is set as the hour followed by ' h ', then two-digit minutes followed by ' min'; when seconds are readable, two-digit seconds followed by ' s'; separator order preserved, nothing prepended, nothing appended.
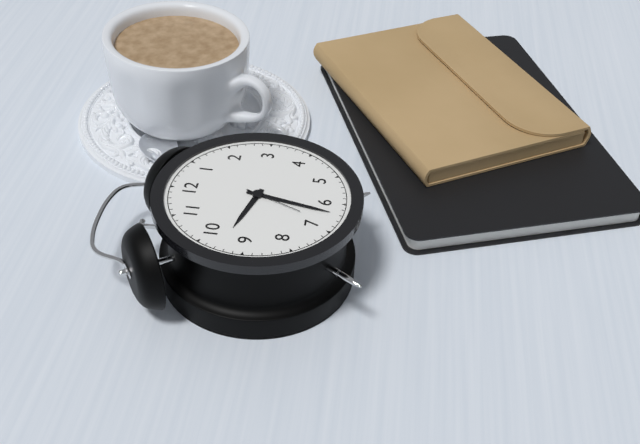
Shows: 9 h 32 min 34 s
